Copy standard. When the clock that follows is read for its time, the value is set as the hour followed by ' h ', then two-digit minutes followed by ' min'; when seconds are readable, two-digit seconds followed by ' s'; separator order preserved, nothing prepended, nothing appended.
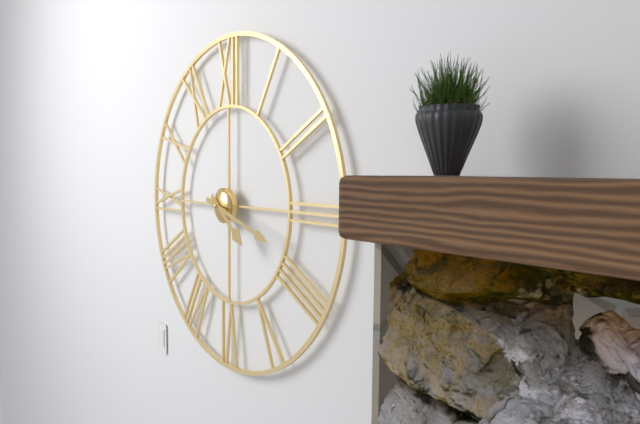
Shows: 4 h 18 min
